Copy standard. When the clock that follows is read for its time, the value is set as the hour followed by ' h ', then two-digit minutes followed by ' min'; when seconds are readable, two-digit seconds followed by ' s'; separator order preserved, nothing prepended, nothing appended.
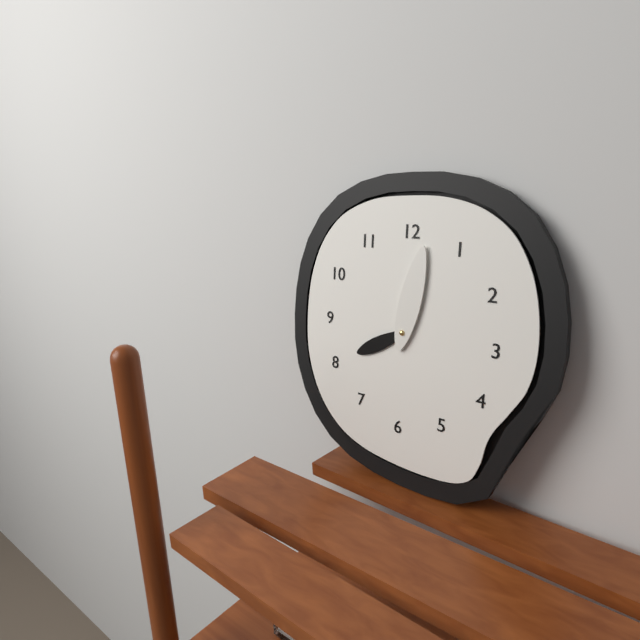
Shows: 8 h 02 min
